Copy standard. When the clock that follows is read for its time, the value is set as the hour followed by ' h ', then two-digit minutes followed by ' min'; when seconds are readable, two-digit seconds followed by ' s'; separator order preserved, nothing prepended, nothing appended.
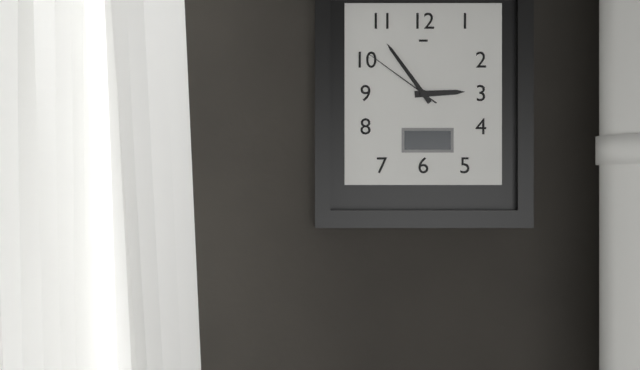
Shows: 2 h 54 min 51 s
